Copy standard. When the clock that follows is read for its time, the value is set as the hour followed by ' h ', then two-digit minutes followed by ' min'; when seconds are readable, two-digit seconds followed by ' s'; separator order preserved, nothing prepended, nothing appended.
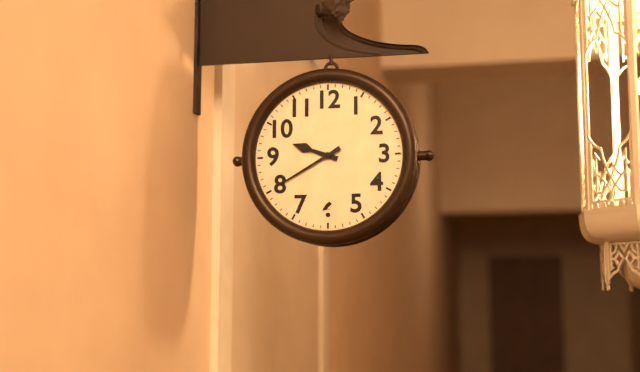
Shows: 9 h 40 min
